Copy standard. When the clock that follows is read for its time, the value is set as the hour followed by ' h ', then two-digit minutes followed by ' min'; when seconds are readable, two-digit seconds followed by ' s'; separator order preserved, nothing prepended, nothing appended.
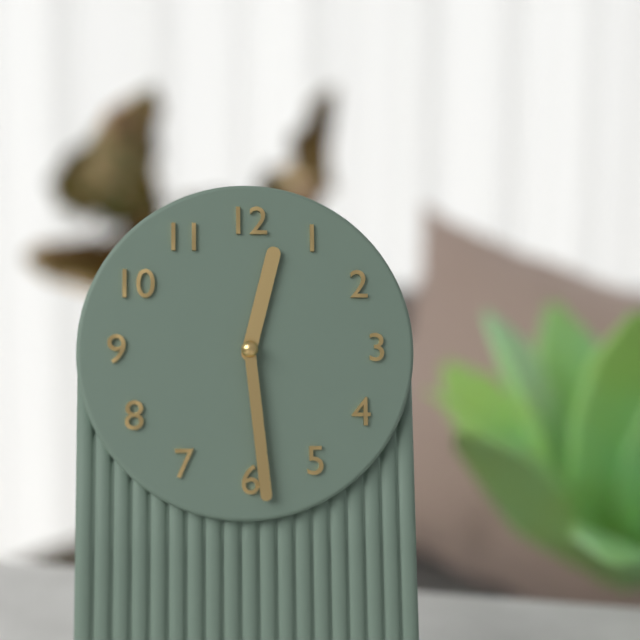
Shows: 12 h 29 min
